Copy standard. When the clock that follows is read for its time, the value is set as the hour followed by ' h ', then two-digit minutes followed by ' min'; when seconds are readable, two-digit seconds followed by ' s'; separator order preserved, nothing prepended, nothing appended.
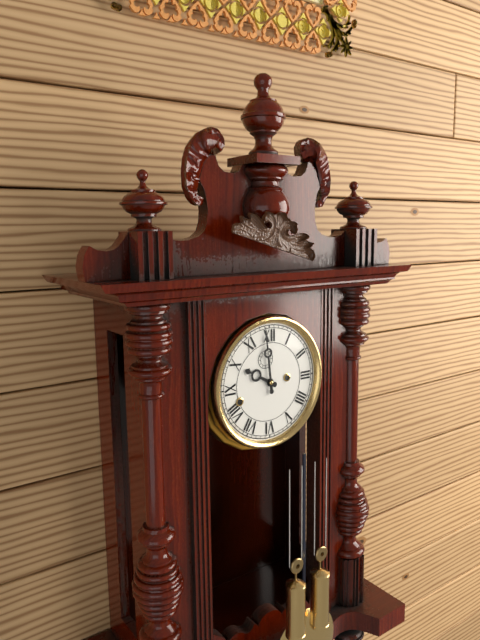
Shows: 9 h 59 min
